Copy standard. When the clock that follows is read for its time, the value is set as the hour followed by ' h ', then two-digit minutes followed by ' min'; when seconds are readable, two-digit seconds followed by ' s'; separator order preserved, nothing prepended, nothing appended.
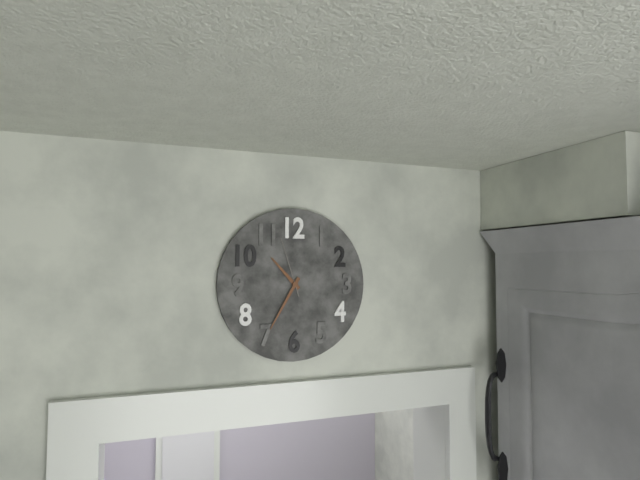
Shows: 10 h 35 min 57 s
